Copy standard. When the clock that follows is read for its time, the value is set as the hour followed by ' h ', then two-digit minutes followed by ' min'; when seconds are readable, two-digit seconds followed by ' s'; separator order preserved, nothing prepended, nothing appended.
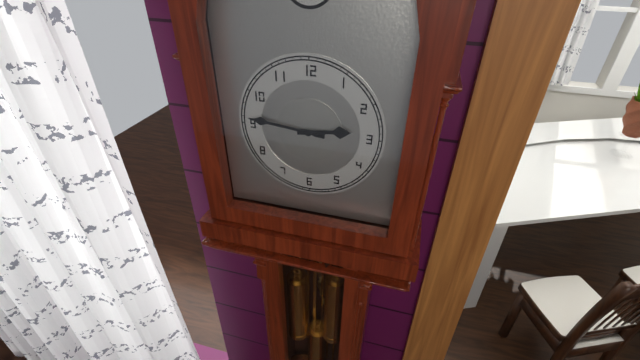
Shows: 2 h 46 min
